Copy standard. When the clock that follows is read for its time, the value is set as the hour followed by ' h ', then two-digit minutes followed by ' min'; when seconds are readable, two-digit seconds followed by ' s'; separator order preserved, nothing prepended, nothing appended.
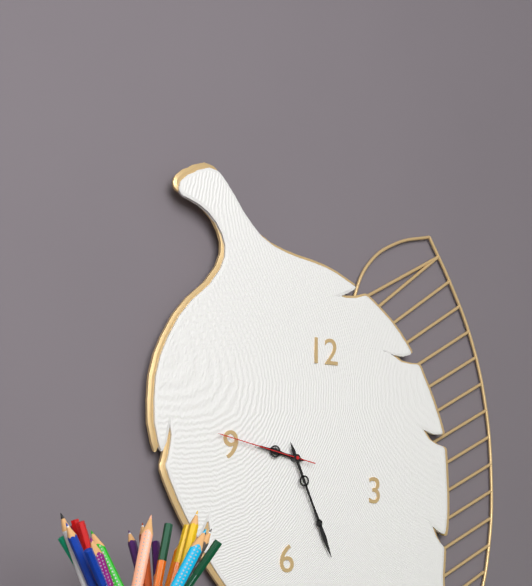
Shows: 9 h 26 min 47 s
